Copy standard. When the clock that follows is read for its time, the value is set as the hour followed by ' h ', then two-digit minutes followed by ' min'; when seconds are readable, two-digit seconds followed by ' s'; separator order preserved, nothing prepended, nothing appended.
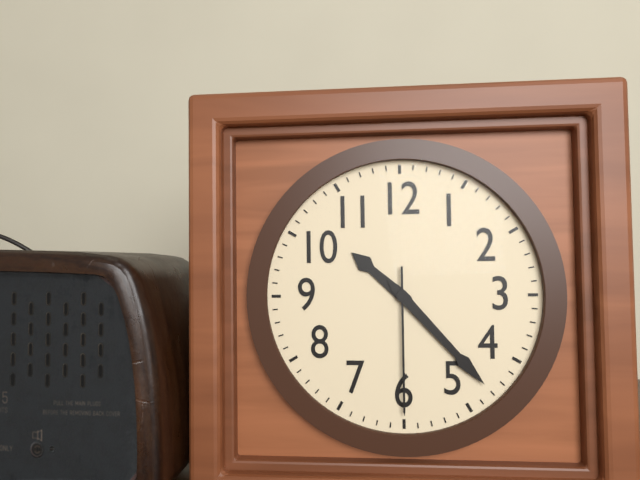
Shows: 10 h 23 min 30 s
